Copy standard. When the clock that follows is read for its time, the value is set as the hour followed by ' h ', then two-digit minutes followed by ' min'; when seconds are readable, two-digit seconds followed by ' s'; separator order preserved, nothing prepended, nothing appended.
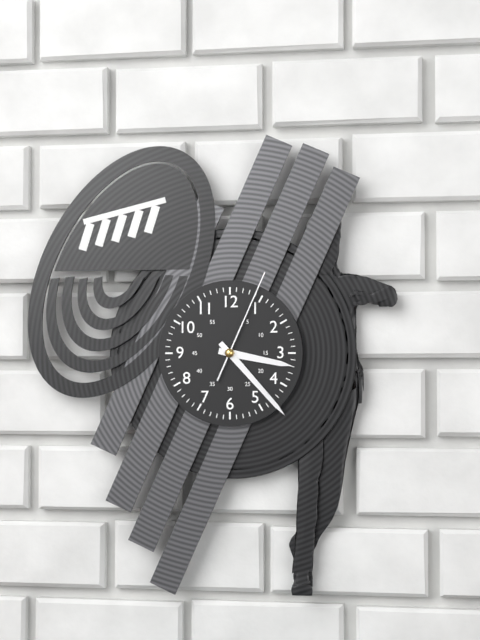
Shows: 3 h 23 min 04 s
